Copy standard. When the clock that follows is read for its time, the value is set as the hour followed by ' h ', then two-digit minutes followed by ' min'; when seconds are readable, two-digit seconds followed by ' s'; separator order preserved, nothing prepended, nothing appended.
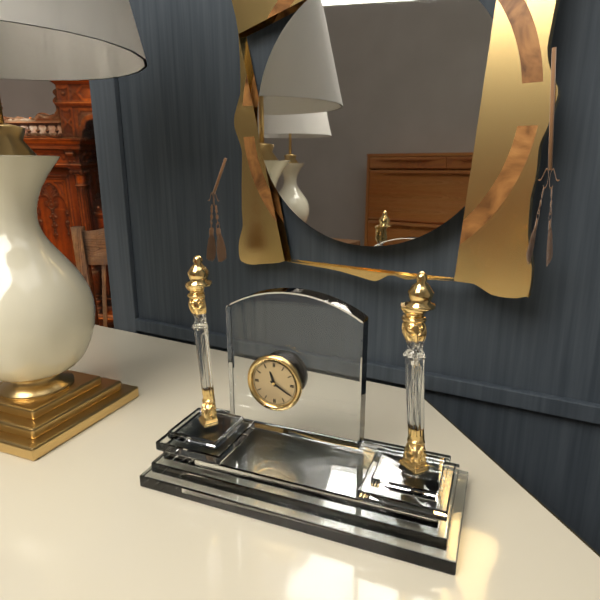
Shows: 11 h 20 min
